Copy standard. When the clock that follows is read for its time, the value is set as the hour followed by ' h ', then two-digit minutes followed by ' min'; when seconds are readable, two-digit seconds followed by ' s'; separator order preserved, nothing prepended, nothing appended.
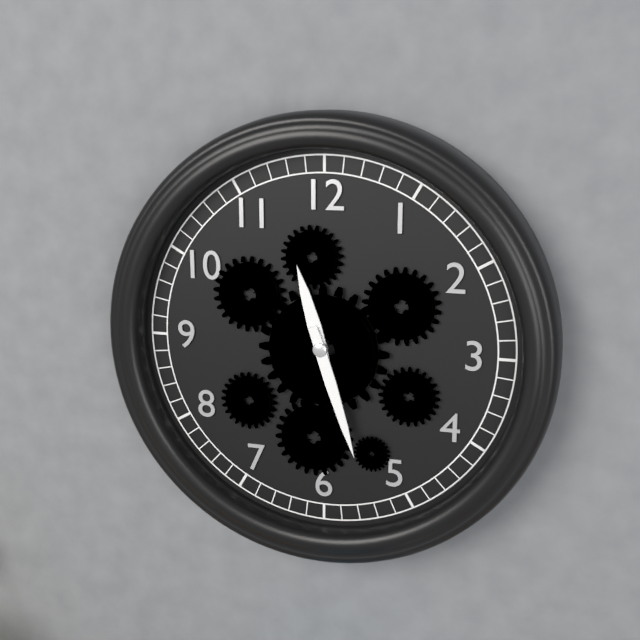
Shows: 11 h 27 min
